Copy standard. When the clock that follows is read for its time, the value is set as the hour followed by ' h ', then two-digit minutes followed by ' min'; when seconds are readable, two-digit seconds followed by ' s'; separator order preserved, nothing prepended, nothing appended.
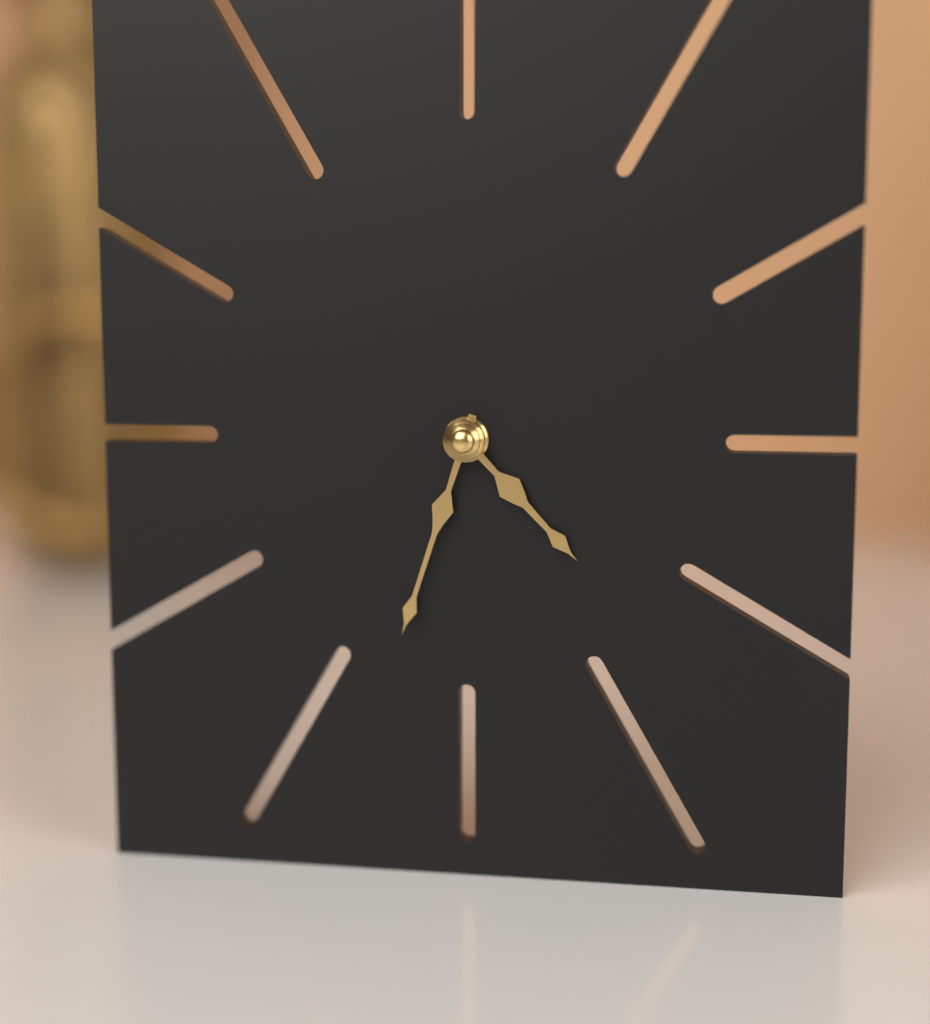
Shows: 4 h 33 min
